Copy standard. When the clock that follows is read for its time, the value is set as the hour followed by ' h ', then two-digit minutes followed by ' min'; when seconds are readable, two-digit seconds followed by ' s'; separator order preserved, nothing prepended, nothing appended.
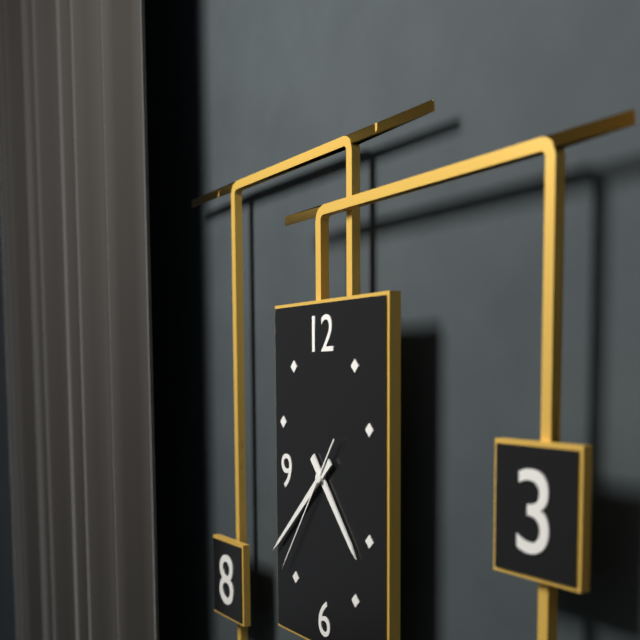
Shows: 4 h 38 min 36 s
